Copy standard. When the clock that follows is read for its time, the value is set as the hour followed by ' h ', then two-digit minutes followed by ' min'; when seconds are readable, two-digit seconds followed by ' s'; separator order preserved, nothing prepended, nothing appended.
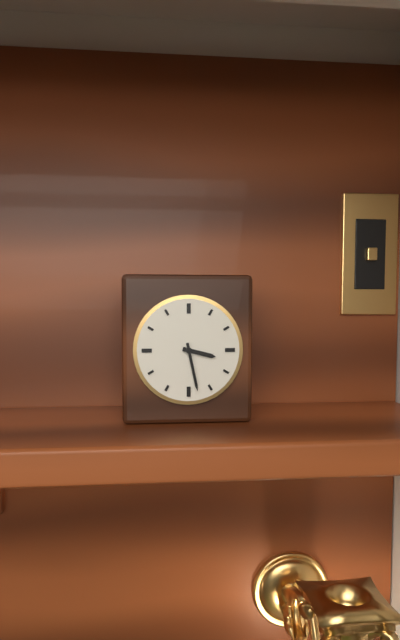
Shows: 3 h 28 min
